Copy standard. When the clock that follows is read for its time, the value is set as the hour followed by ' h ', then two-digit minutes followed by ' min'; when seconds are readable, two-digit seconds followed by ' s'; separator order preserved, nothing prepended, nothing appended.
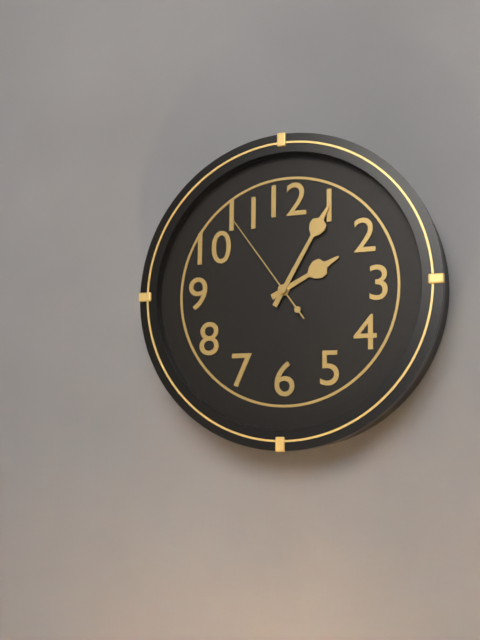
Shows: 2 h 05 min 54 s
